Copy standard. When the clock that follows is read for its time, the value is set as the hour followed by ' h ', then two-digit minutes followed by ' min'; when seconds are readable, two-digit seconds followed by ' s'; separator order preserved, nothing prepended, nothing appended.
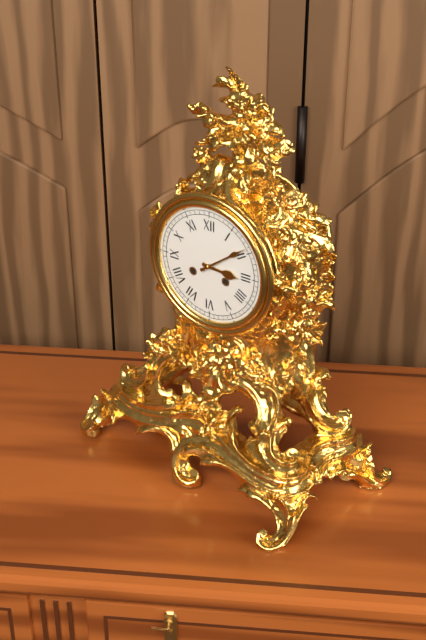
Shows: 3 h 09 min
